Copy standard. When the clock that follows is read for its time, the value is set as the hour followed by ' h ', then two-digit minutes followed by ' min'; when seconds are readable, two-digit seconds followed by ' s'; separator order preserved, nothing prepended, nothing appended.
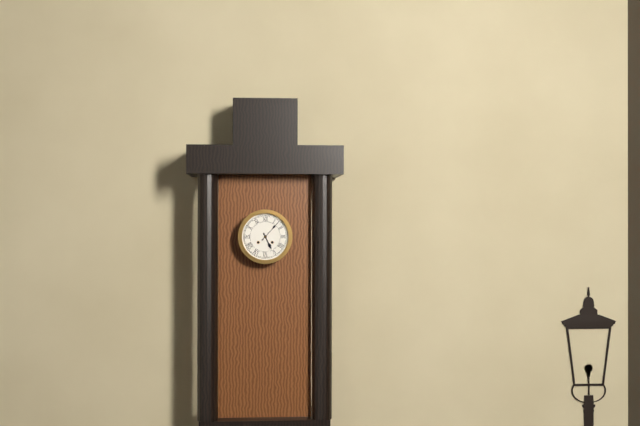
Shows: 5 h 07 min
